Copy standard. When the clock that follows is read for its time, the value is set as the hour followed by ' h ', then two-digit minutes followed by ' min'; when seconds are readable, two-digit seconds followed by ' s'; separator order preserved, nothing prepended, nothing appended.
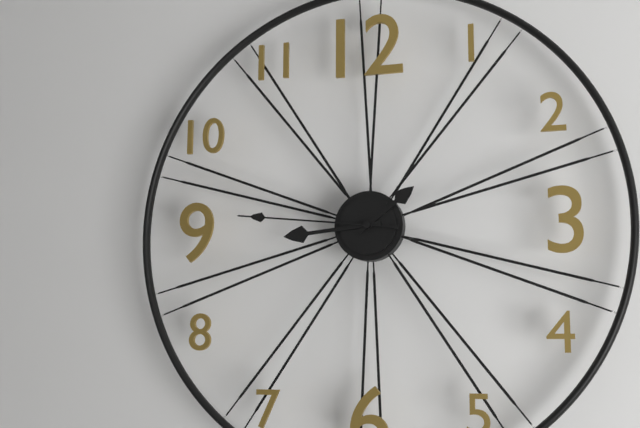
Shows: 1 h 44 min 46 s
